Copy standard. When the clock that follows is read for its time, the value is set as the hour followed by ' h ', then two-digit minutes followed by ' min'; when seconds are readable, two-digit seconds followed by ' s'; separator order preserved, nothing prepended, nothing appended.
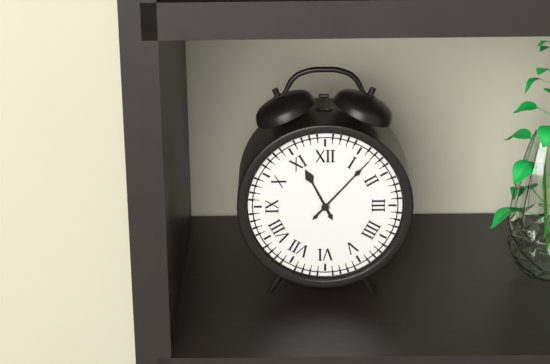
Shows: 11 h 07 min
